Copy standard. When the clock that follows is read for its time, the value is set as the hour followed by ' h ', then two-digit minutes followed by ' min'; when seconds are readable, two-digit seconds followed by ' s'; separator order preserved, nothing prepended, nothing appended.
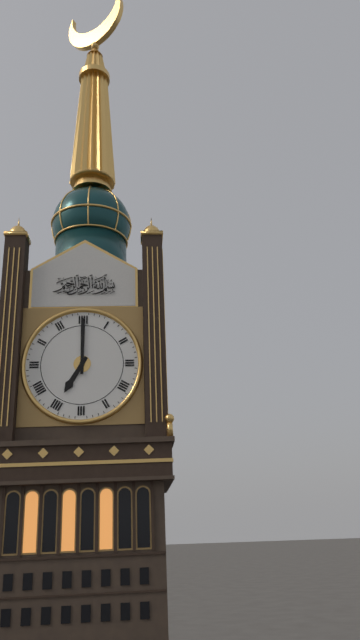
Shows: 7 h 00 min
